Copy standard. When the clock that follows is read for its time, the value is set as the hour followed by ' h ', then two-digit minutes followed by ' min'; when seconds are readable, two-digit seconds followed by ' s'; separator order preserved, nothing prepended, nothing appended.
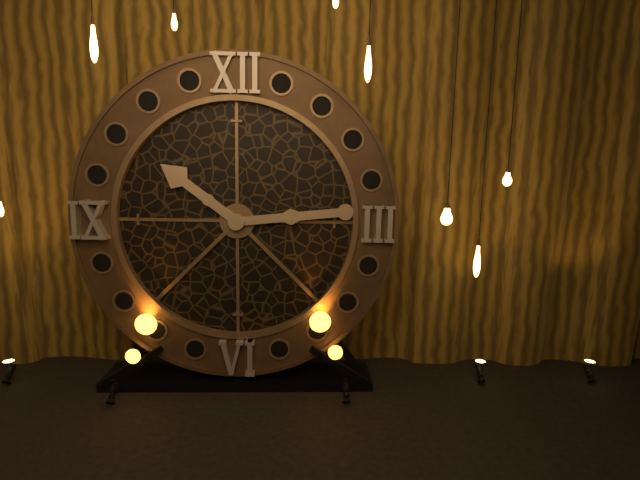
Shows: 10 h 14 min
